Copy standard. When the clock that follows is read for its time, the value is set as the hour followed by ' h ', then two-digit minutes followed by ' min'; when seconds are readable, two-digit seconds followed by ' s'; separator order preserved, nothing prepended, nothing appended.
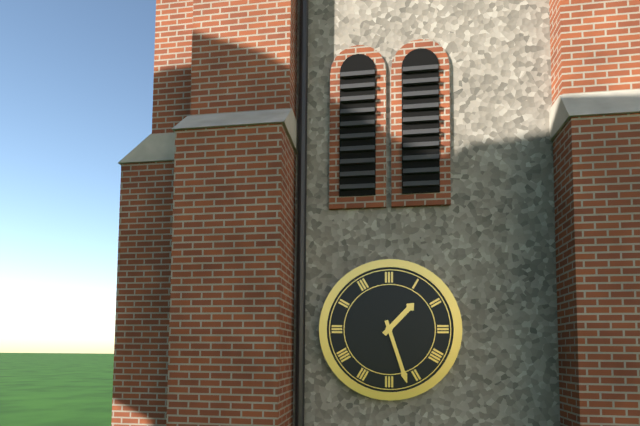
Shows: 1 h 27 min
